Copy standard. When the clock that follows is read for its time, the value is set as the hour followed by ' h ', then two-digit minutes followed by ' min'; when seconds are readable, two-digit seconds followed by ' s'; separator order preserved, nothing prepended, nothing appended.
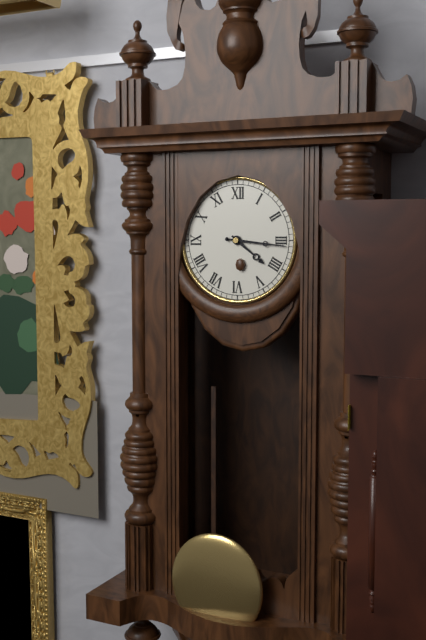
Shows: 4 h 16 min
